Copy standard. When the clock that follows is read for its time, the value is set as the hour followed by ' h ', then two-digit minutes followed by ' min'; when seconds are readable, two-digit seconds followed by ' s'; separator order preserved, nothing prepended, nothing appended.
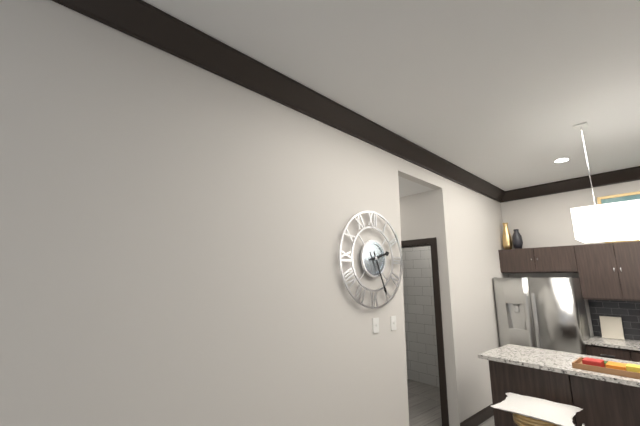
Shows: 2 h 26 min
